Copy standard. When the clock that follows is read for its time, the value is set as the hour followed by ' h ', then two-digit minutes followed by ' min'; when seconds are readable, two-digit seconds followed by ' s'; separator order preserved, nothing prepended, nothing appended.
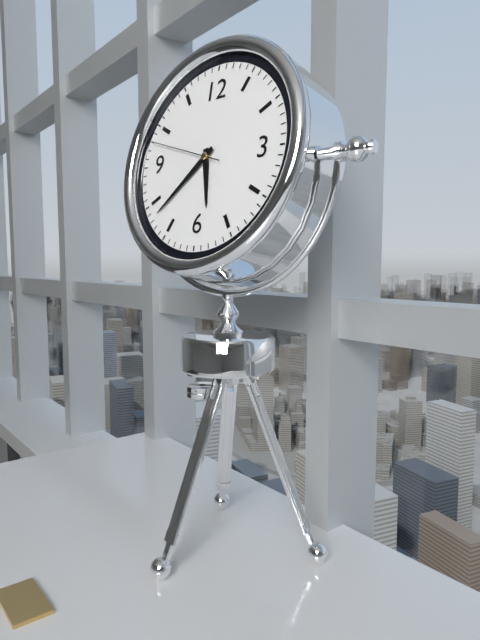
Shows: 5 h 38 min 48 s
